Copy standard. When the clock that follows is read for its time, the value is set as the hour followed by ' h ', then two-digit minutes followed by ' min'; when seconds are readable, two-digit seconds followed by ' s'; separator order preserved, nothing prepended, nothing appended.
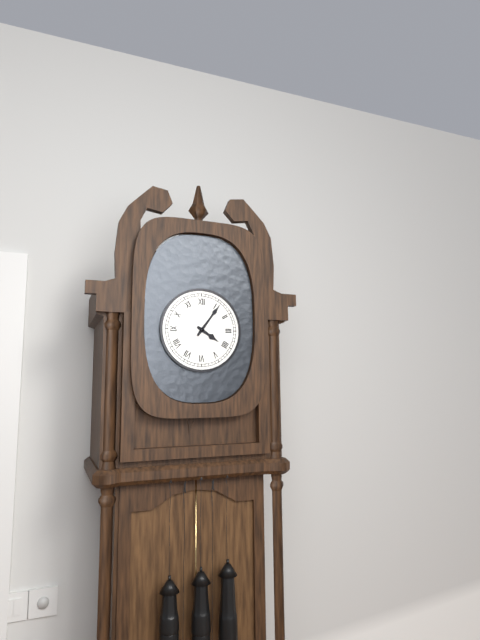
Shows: 4 h 06 min
